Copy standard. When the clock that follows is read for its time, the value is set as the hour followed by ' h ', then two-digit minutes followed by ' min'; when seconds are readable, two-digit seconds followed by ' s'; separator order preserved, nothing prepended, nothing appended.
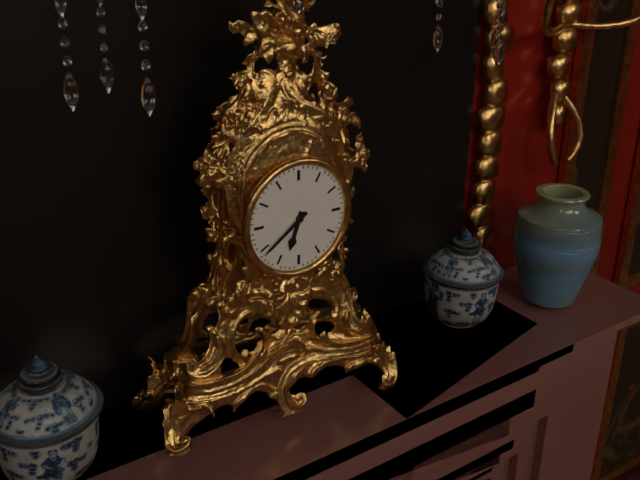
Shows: 6 h 39 min
